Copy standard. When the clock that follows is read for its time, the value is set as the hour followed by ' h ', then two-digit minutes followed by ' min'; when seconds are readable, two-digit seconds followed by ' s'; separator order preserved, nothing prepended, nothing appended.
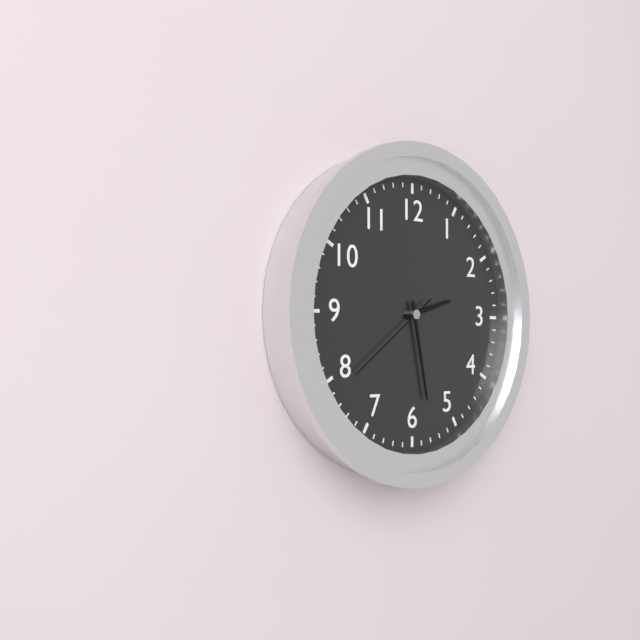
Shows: 2 h 28 min 39 s
